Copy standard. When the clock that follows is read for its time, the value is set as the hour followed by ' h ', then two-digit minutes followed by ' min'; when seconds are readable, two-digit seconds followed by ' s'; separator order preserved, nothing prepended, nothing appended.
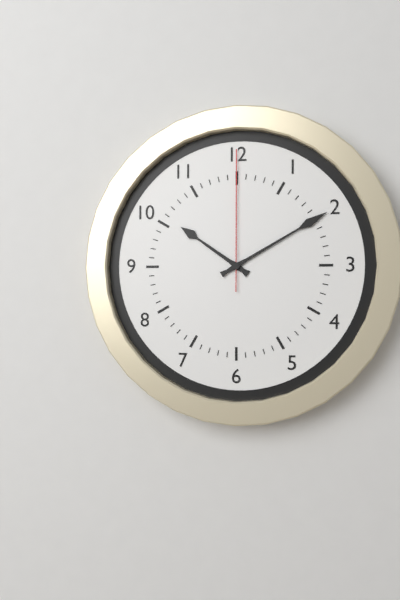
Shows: 10 h 10 min 00 s
